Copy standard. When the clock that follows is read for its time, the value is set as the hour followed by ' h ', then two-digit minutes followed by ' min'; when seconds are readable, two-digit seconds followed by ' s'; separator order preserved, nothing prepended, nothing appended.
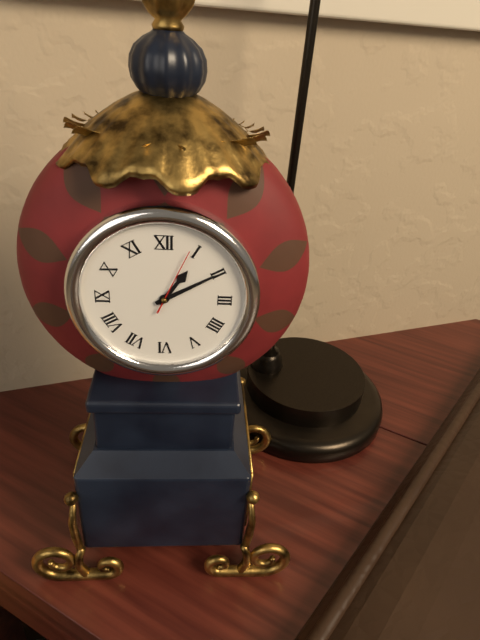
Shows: 1 h 10 min 04 s
